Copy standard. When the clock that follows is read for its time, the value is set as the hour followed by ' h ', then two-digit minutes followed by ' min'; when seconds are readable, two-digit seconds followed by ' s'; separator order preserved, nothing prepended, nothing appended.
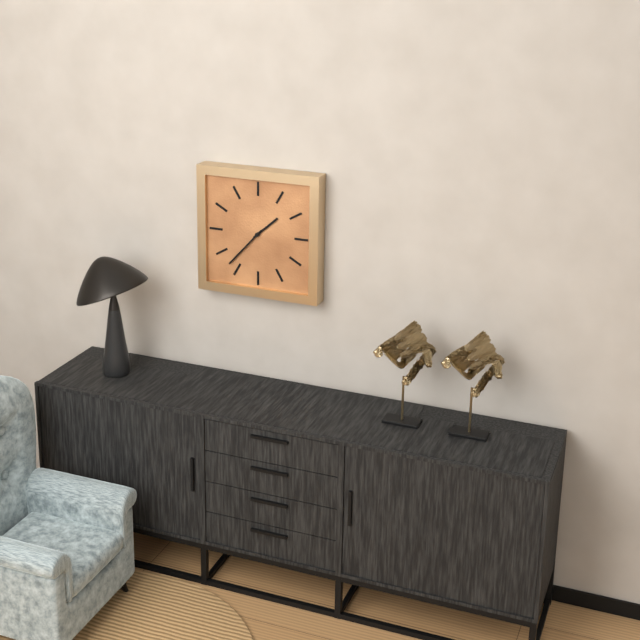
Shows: 1 h 37 min
